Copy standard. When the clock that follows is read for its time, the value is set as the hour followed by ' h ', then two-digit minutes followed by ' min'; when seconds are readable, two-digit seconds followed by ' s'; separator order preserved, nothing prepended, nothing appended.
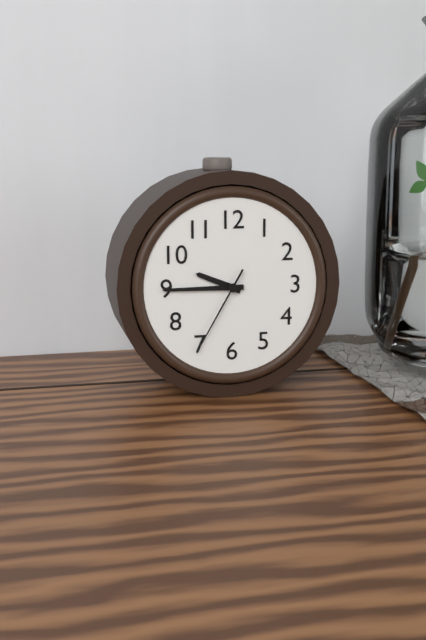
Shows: 9 h 45 min 35 s
